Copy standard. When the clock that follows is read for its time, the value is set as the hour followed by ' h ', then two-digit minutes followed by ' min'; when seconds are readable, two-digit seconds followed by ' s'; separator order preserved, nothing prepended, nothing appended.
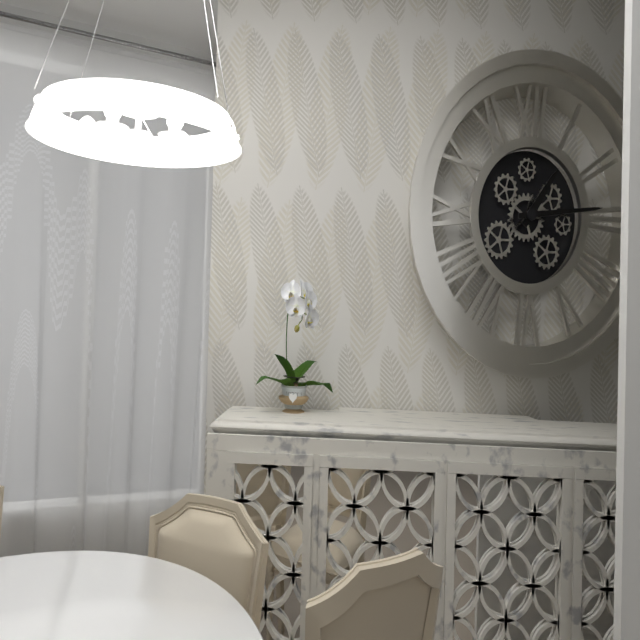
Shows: 1 h 14 min
